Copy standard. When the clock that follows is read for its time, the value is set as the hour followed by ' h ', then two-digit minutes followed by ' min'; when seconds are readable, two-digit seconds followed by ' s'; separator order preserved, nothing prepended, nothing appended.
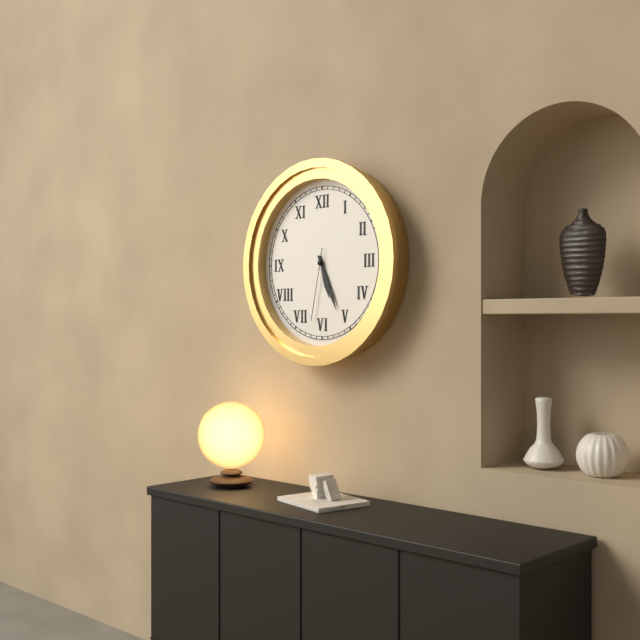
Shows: 5 h 26 min 32 s
